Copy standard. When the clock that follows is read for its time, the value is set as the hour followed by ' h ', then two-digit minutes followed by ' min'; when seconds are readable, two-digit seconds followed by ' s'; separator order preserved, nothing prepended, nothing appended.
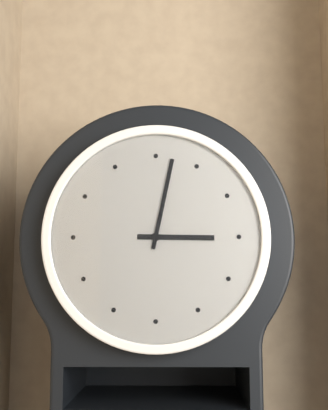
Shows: 3 h 02 min
